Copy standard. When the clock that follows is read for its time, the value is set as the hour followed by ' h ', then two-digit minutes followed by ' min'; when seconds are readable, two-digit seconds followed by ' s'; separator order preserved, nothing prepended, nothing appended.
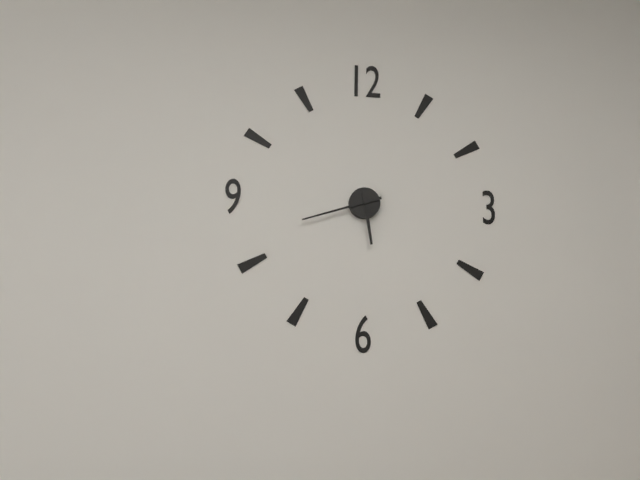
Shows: 5 h 42 min
